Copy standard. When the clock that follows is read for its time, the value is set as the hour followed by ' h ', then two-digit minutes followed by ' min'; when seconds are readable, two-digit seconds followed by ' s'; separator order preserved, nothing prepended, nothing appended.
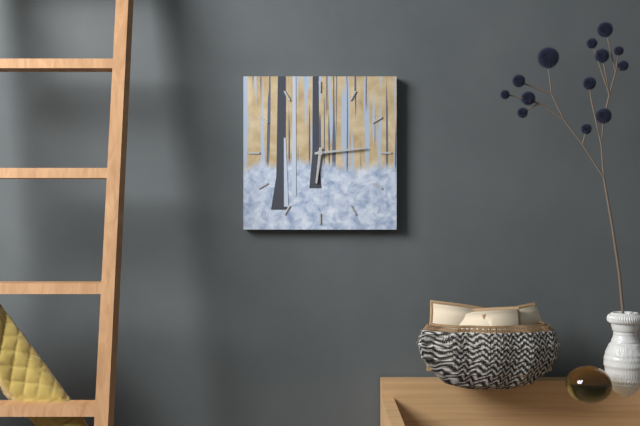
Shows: 6 h 14 min
